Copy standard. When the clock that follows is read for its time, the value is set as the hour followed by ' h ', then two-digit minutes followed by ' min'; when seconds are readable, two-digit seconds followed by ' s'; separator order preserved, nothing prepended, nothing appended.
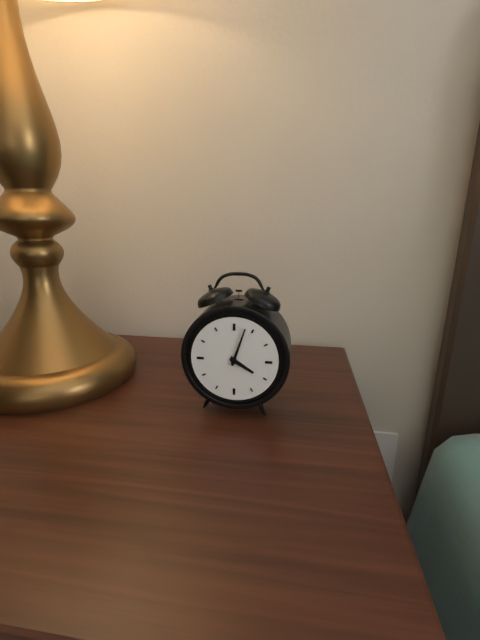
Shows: 4 h 03 min
